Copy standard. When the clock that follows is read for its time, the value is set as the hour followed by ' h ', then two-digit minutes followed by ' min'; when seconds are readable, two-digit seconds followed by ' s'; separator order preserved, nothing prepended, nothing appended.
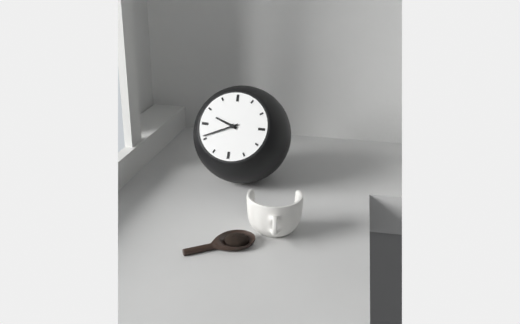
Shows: 9 h 41 min
